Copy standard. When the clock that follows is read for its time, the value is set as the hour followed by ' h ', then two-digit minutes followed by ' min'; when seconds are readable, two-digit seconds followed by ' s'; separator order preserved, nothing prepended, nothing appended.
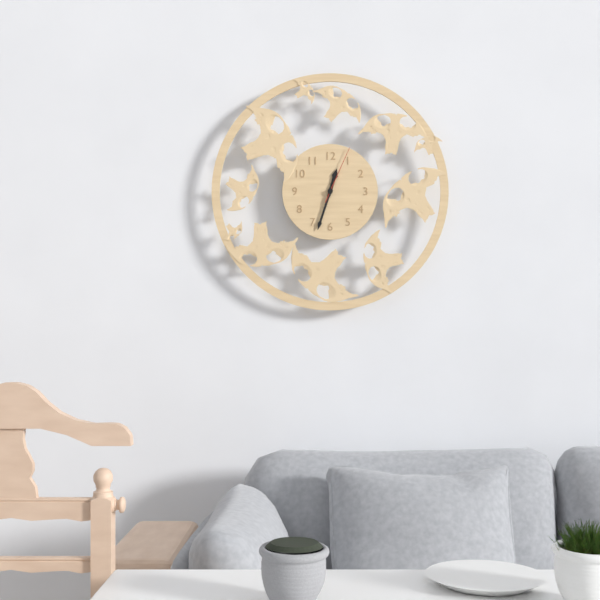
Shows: 12 h 33 min 04 s
